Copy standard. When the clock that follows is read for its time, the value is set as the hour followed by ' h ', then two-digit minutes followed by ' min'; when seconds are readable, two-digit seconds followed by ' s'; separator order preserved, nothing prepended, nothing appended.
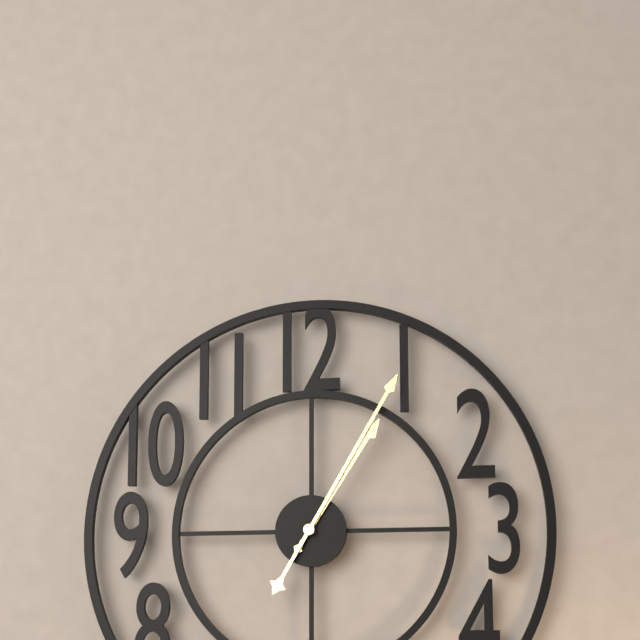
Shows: 1 h 05 min
